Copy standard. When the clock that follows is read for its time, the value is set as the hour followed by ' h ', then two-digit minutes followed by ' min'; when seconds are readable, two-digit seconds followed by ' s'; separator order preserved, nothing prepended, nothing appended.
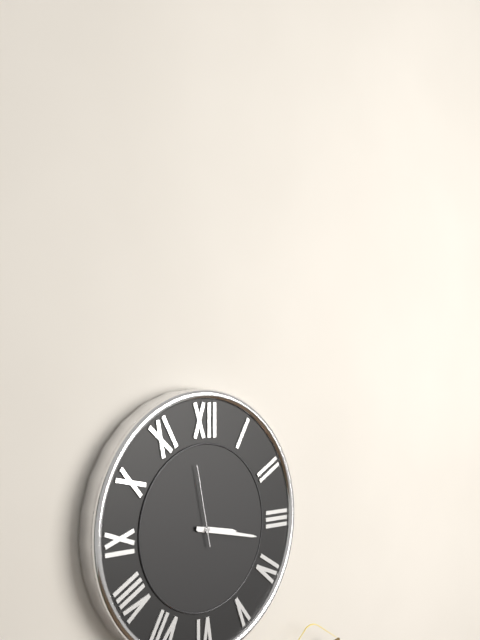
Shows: 3 h 17 min 58 s
